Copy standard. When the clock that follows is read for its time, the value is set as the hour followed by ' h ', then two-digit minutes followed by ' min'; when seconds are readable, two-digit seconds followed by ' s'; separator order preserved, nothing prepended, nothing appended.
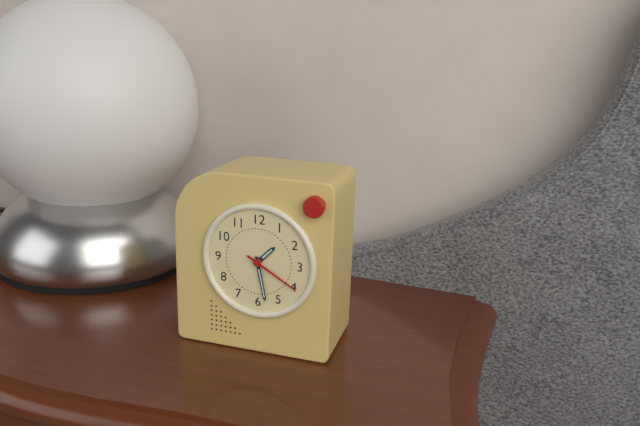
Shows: 1 h 28 min 20 s
